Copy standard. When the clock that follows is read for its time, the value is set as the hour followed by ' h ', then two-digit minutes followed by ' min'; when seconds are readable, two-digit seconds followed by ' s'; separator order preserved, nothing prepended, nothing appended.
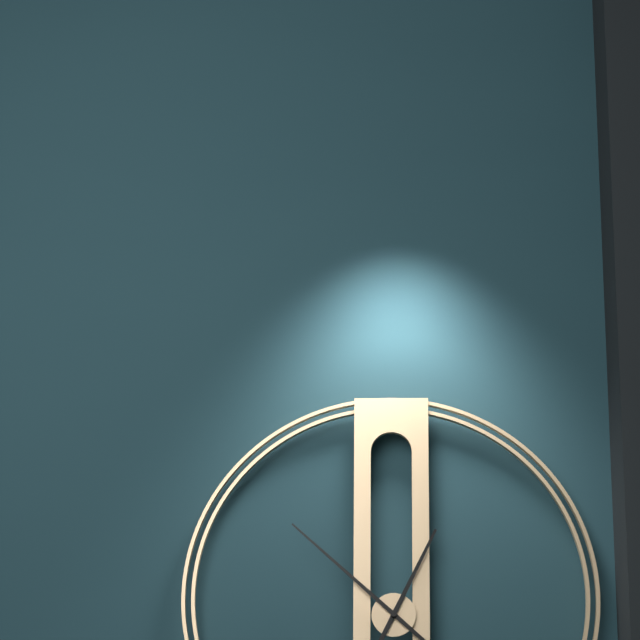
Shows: 12 h 52 min
